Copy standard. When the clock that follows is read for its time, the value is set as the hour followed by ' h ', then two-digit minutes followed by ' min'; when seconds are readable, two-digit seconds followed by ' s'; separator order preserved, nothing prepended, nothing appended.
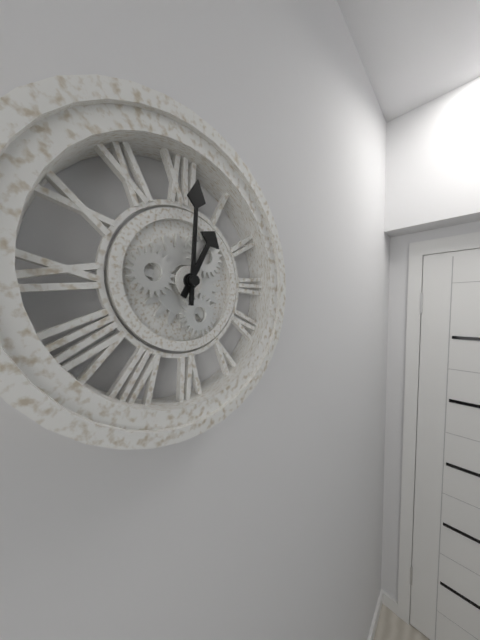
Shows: 1 h 01 min
